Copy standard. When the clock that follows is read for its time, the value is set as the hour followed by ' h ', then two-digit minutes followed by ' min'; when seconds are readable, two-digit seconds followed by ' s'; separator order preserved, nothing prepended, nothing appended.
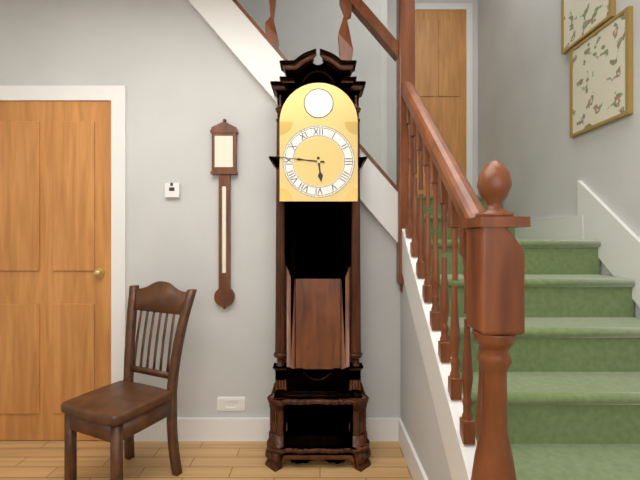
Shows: 5 h 46 min
